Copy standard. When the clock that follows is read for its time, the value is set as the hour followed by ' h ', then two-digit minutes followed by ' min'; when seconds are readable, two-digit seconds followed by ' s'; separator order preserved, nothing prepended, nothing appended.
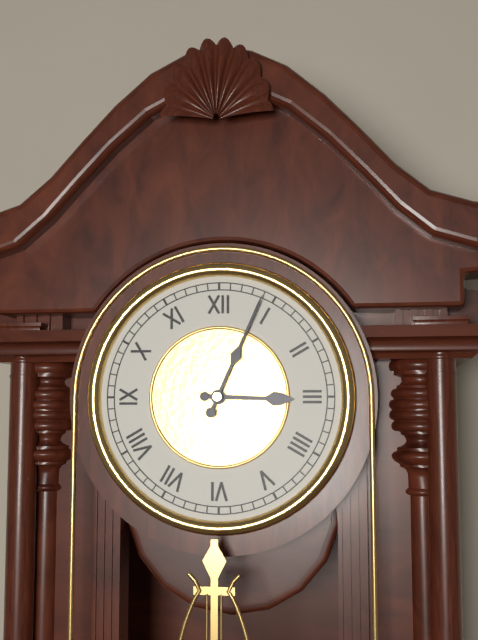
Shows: 3 h 04 min
